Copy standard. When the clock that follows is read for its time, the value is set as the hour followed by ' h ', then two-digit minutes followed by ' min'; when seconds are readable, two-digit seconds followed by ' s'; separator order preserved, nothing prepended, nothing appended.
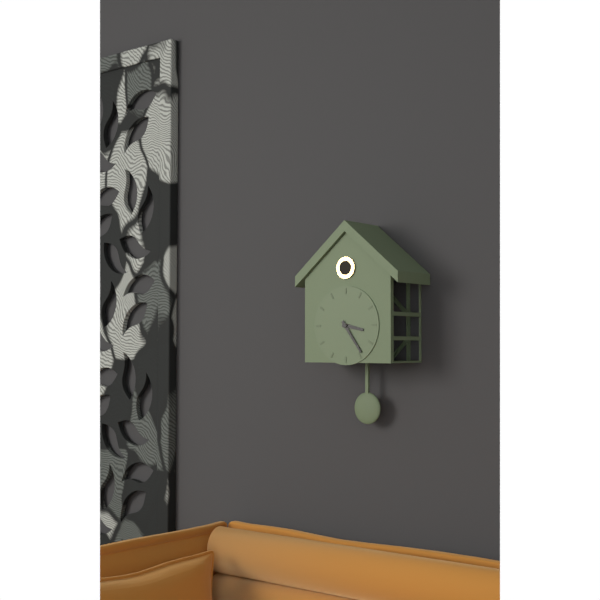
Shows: 3 h 24 min
